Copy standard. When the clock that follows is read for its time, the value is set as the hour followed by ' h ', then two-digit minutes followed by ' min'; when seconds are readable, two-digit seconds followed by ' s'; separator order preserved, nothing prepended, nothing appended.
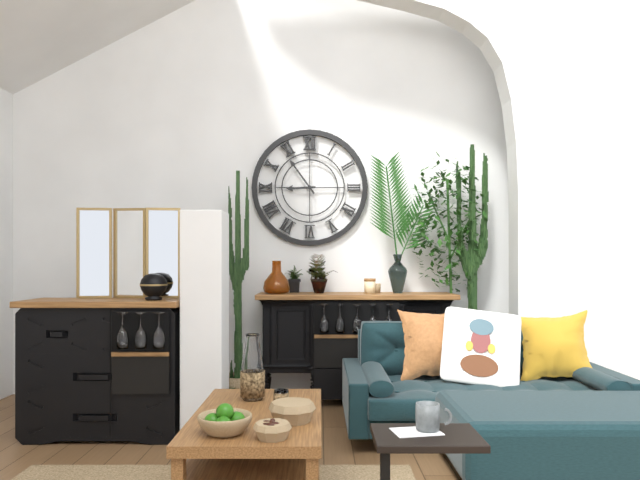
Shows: 8 h 54 min
